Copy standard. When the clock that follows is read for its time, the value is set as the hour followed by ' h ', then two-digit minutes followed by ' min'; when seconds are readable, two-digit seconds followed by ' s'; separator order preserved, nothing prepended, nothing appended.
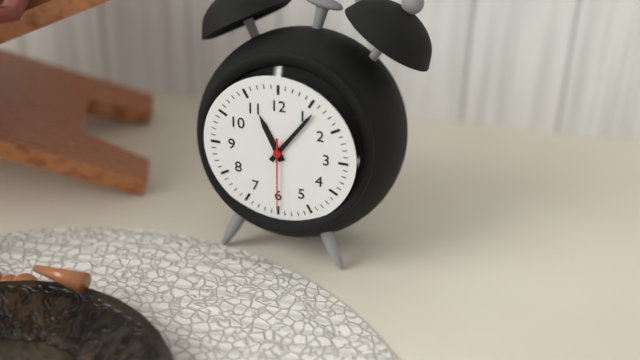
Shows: 11 h 06 min 30 s
